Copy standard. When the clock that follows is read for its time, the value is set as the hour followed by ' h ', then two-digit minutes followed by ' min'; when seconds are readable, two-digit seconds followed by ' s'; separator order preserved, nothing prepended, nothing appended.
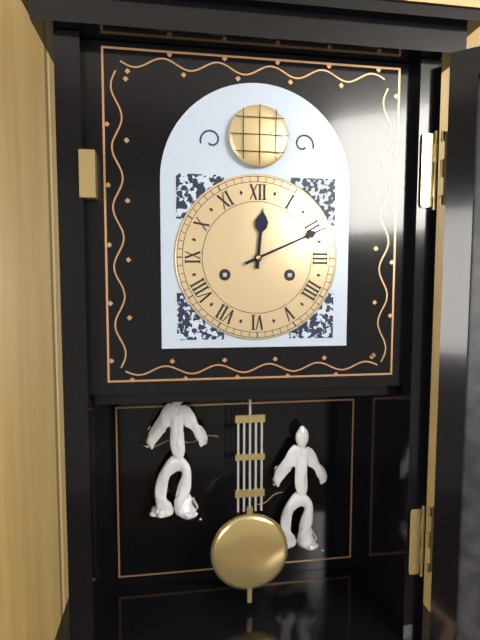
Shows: 12 h 11 min
